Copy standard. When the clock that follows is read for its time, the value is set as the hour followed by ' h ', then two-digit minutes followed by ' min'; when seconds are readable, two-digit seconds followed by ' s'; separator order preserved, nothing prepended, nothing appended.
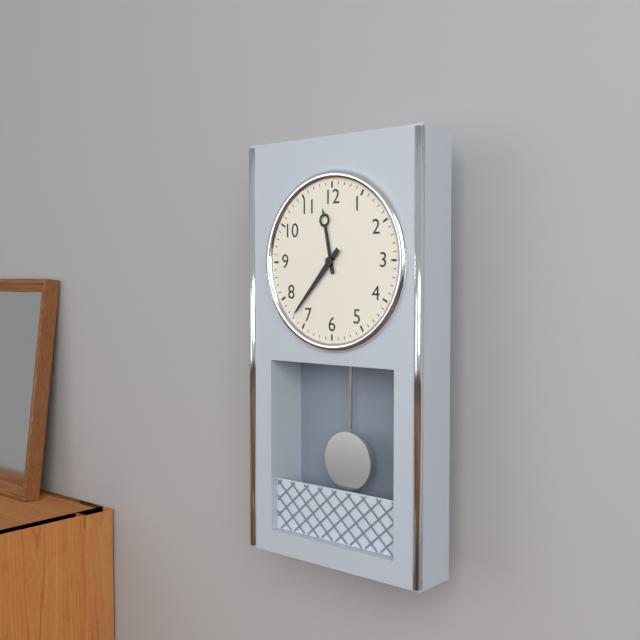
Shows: 11 h 37 min
